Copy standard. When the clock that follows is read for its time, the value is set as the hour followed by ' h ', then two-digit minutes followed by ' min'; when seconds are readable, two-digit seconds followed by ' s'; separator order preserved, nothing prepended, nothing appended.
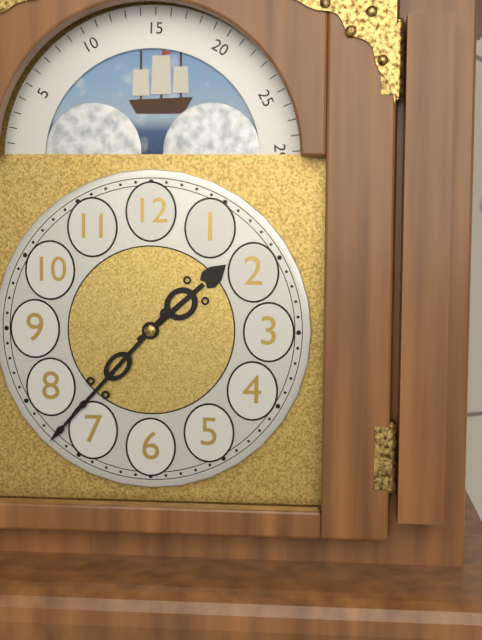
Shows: 1 h 37 min
